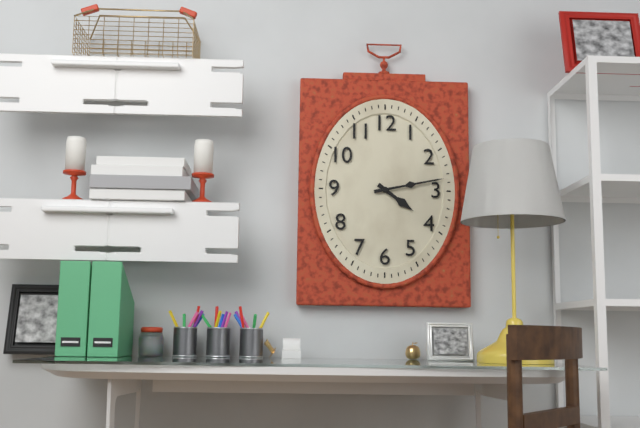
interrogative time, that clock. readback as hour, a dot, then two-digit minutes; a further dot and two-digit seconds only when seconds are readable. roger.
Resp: 4.13
